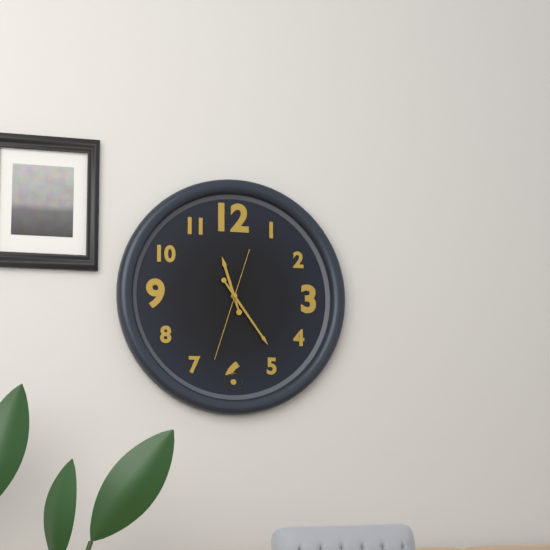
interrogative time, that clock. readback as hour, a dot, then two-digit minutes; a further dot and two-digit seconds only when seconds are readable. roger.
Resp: 11.24.33
